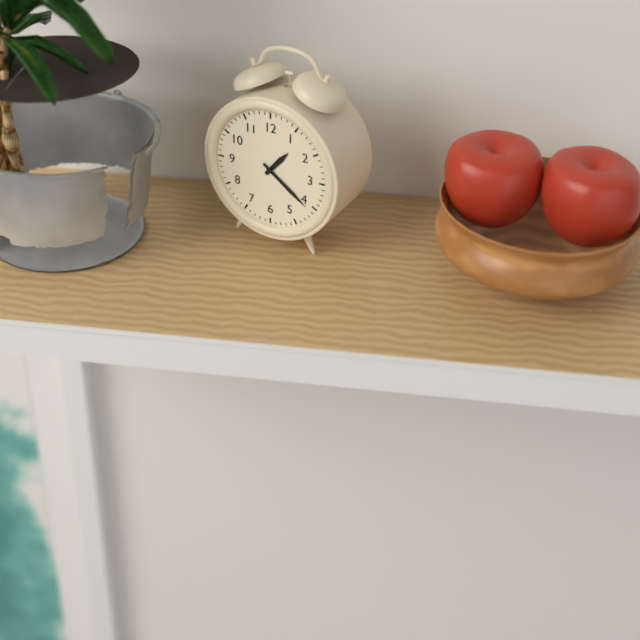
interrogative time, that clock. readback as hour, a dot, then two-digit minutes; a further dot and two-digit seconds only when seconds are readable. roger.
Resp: 1.21
